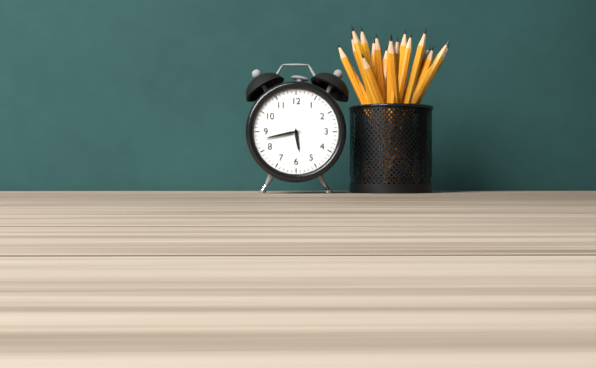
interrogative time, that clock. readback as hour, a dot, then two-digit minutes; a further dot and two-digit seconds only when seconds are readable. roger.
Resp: 5.43
